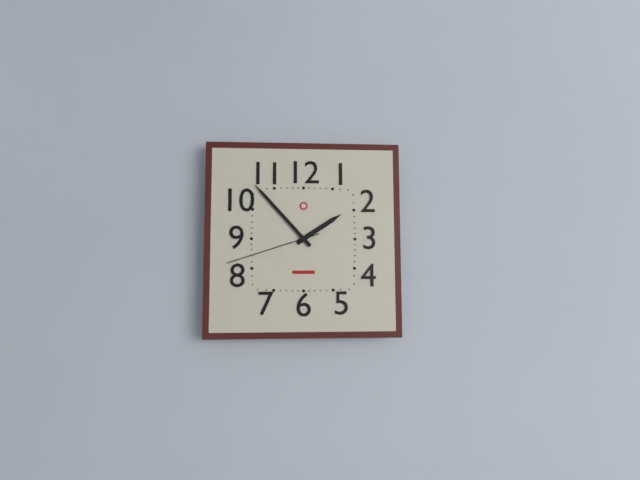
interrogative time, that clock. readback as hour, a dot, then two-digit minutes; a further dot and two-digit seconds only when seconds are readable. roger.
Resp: 1.53.42
